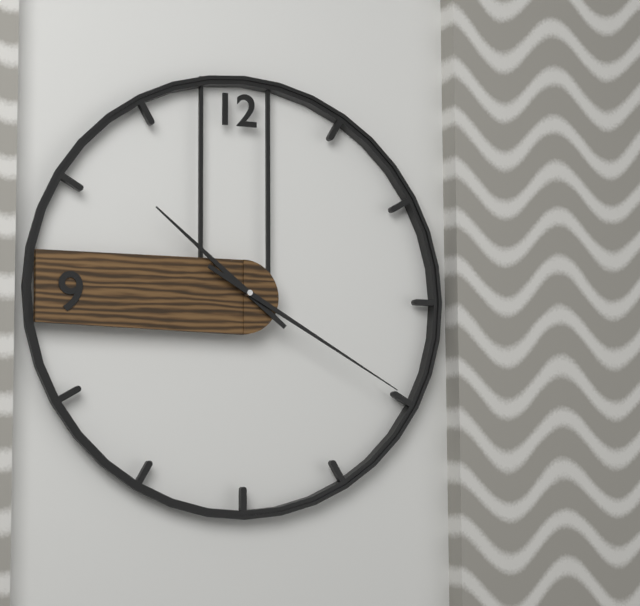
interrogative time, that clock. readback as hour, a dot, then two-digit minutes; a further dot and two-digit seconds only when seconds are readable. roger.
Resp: 10.20
